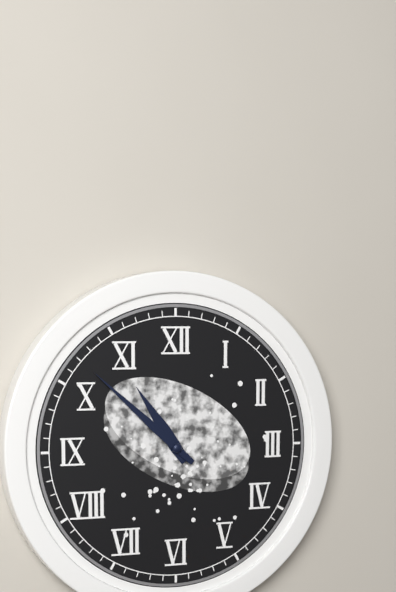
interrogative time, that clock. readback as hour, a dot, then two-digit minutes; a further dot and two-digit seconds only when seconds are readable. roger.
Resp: 10.52
